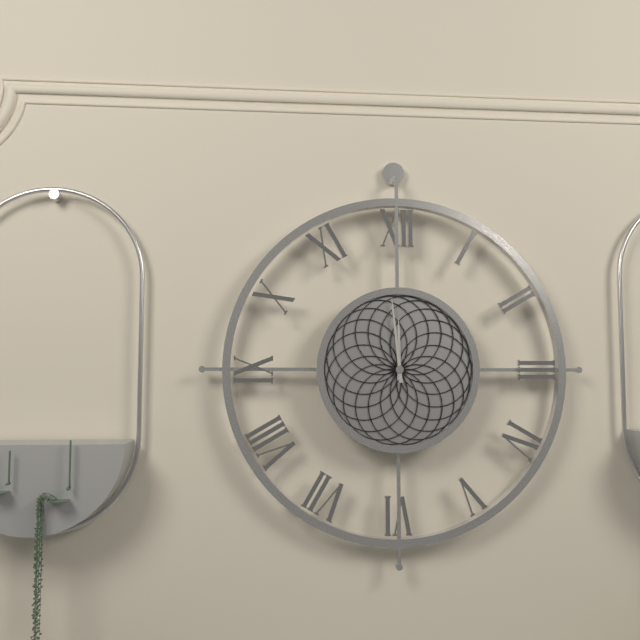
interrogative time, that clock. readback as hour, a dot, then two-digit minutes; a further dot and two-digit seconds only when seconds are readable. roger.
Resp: 11.59
